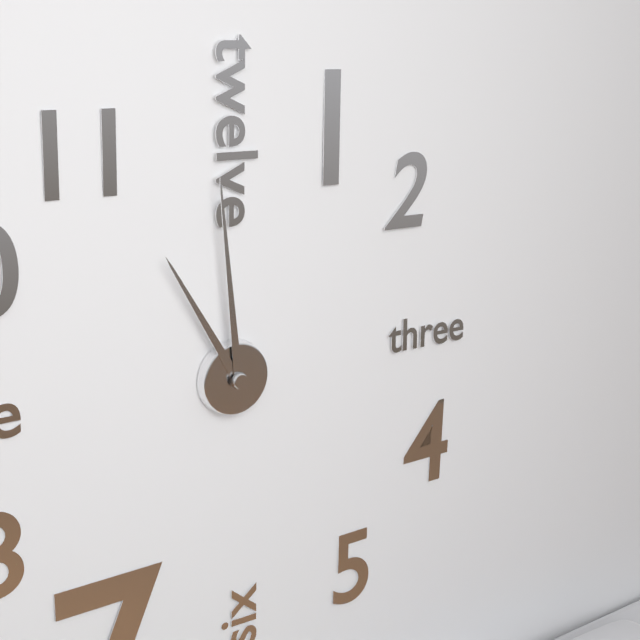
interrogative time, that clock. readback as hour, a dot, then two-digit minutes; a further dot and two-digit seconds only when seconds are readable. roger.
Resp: 10.59
